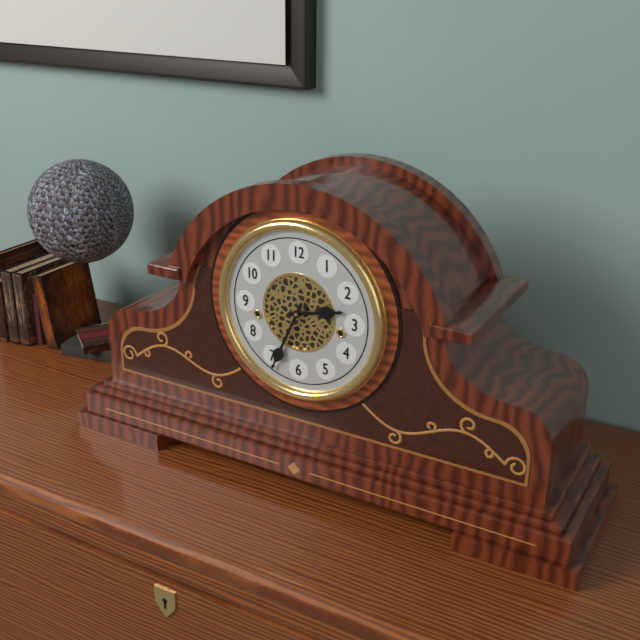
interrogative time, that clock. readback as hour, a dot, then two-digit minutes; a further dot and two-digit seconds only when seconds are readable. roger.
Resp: 2.34
